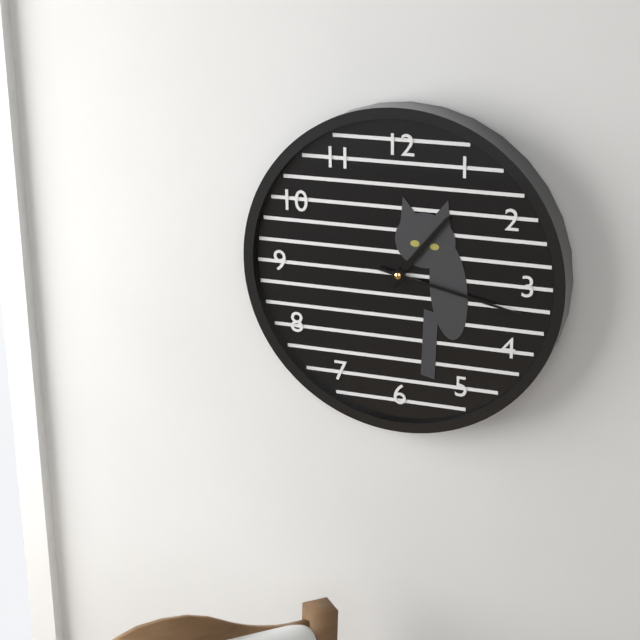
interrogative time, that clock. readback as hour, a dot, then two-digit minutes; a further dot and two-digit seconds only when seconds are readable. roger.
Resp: 1.17
